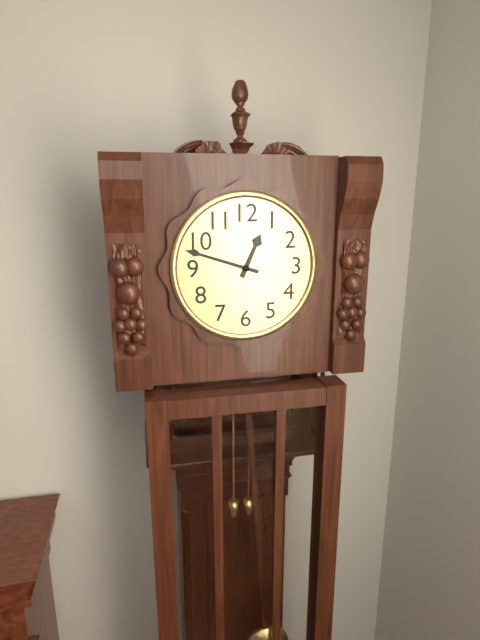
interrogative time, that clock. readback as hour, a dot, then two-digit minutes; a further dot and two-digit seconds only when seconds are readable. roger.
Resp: 12.48
